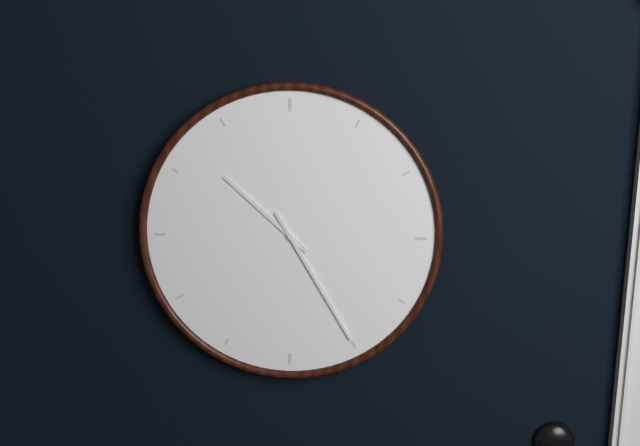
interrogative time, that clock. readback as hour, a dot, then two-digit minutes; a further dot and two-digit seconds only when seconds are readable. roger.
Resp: 10.25
